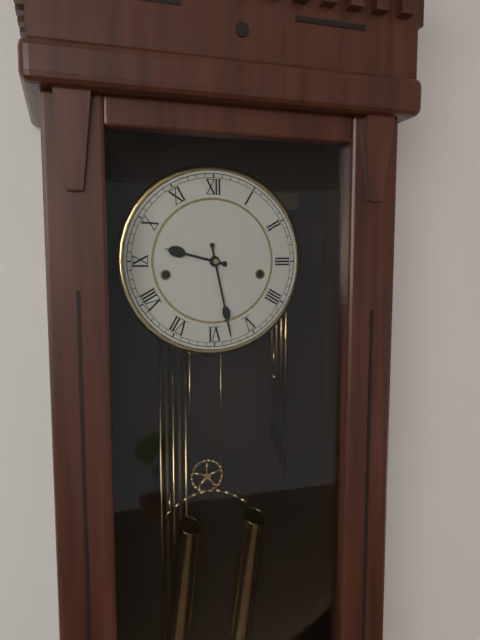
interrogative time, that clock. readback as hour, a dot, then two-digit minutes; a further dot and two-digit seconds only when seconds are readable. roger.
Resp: 9.28
